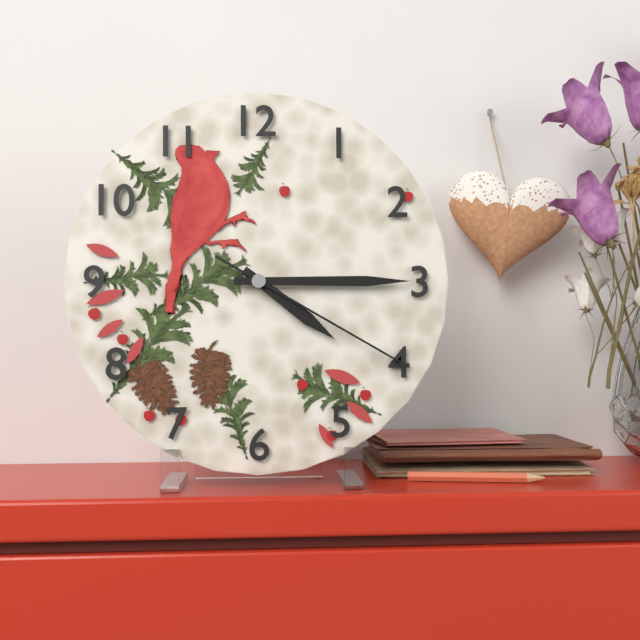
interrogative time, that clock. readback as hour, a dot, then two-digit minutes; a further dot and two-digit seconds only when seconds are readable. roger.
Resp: 4.15.20
